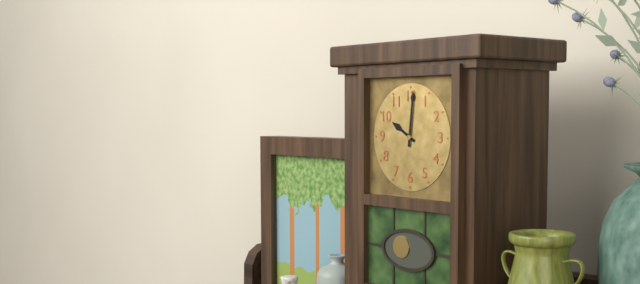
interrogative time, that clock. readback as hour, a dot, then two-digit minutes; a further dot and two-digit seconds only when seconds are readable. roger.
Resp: 10.01
